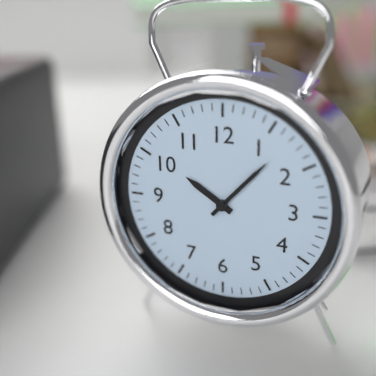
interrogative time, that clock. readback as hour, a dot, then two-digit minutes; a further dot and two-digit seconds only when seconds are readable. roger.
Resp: 10.07
